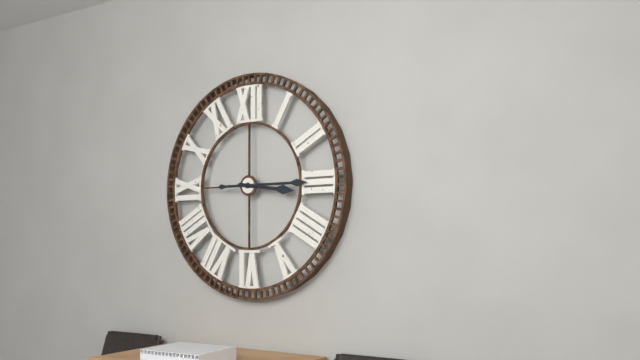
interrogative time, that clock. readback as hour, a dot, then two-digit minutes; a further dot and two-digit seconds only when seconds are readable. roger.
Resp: 3.15
